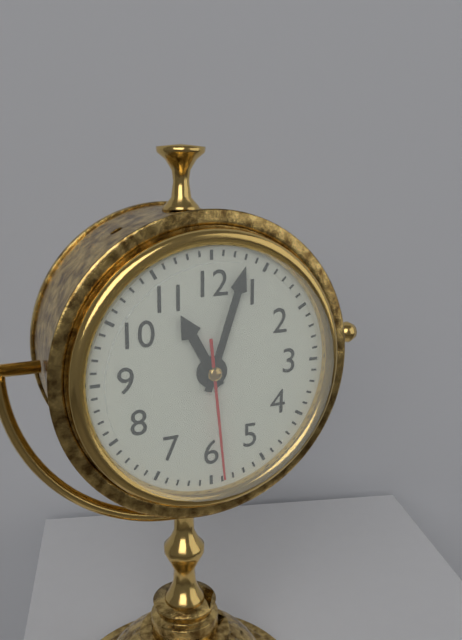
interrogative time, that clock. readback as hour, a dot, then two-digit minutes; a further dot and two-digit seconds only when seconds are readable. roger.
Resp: 11.03.29
